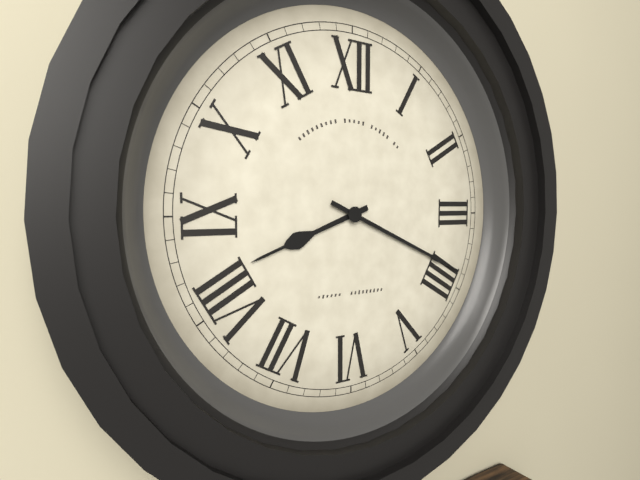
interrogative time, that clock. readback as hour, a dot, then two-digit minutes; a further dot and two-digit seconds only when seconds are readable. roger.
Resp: 8.19
